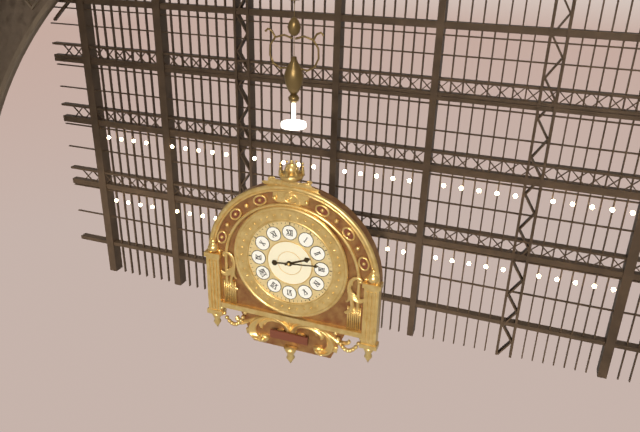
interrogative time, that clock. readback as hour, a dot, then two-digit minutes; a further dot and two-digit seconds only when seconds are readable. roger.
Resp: 2.14
